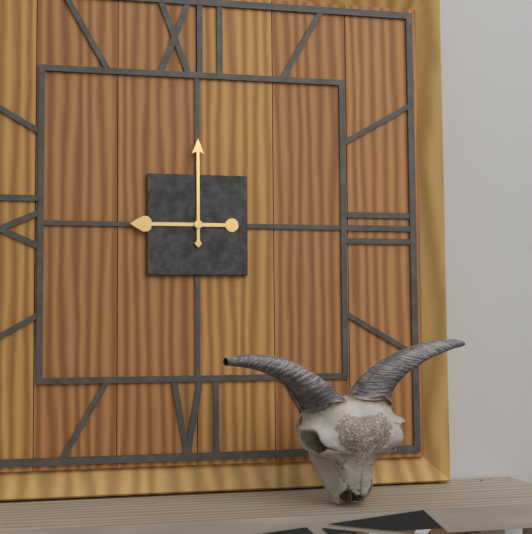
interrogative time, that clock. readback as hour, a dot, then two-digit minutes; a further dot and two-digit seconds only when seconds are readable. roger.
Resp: 9.00
